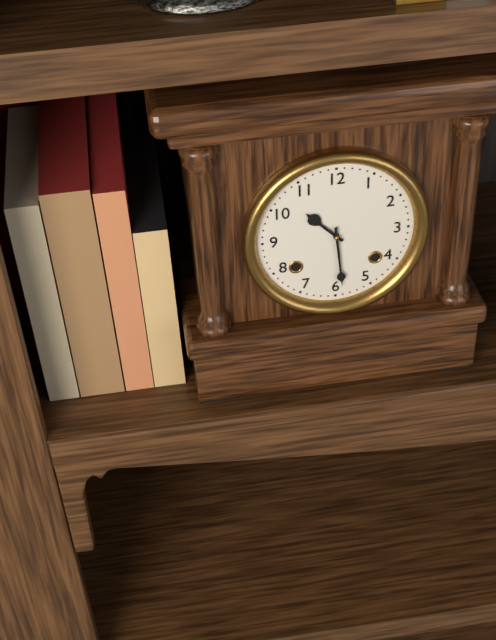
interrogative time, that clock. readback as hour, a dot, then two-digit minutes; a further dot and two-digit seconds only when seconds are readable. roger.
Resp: 10.29
